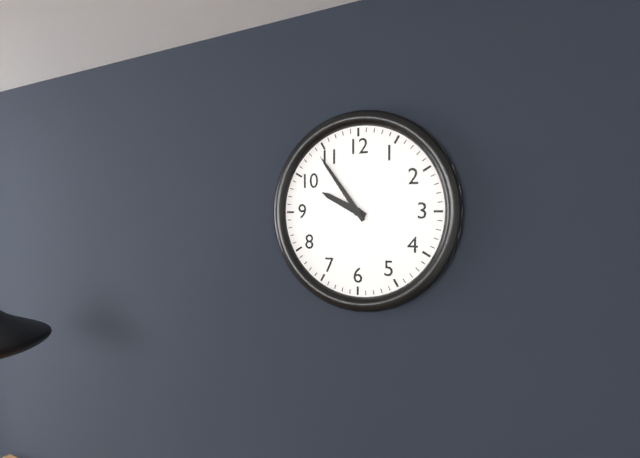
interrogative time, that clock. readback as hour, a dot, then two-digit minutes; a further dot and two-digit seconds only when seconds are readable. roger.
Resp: 9.54
